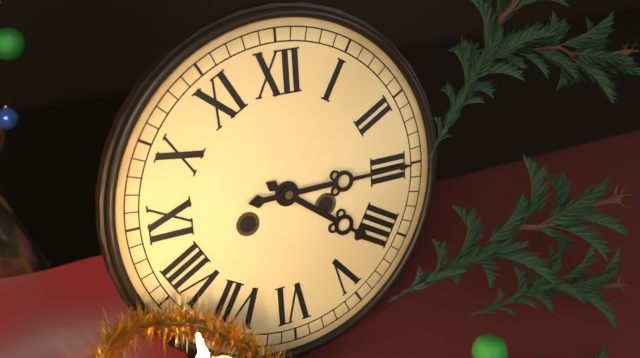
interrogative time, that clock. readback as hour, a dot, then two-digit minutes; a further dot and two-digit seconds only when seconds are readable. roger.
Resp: 4.15
